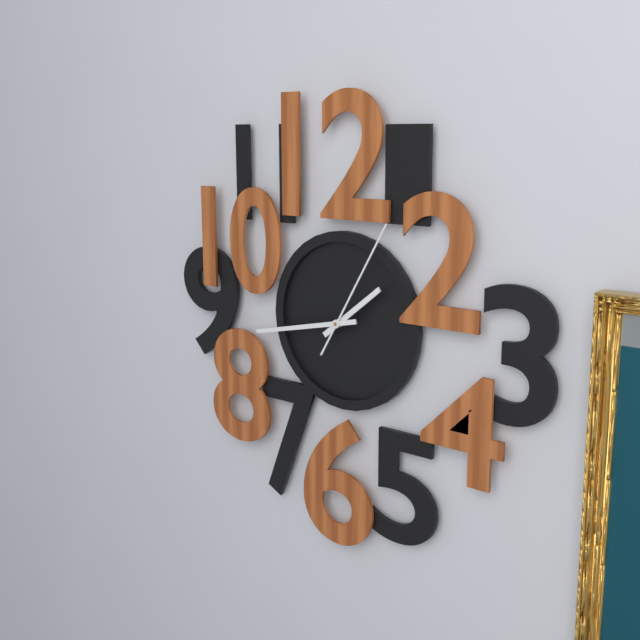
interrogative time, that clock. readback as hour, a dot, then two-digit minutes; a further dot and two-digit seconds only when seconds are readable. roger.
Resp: 1.43.05
